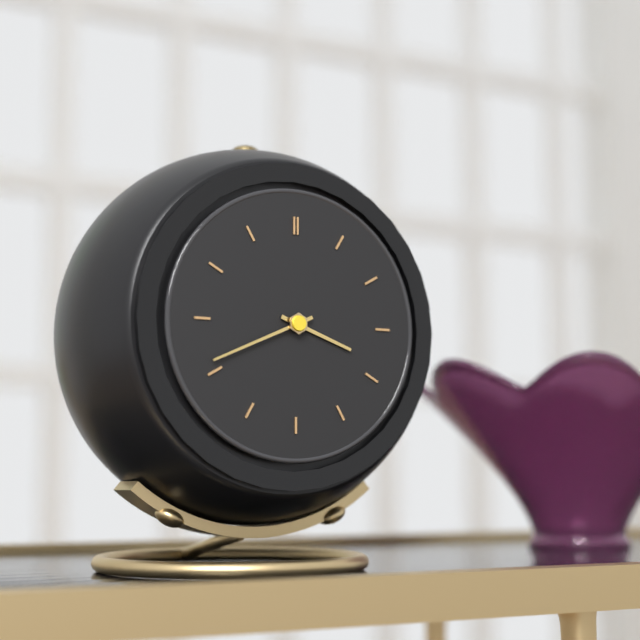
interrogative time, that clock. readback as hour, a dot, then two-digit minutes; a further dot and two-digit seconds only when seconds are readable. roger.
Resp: 3.41
